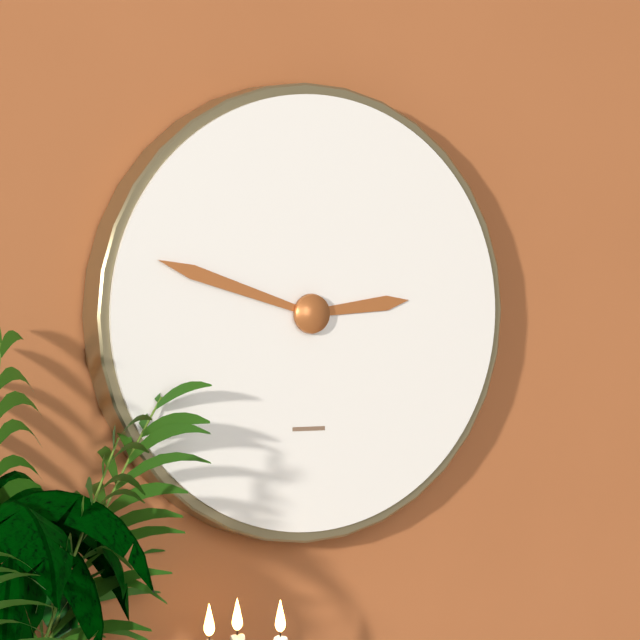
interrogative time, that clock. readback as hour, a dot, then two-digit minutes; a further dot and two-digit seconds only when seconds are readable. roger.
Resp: 2.48
